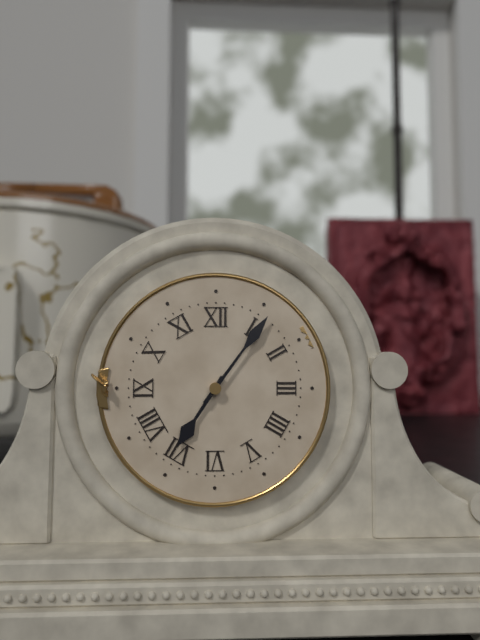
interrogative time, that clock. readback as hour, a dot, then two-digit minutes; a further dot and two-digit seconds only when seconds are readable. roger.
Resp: 7.06
